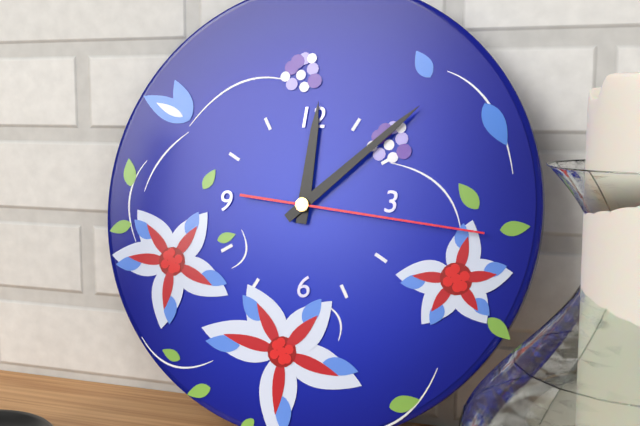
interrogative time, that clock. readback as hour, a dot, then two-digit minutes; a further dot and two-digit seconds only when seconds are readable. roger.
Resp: 12.08.16
